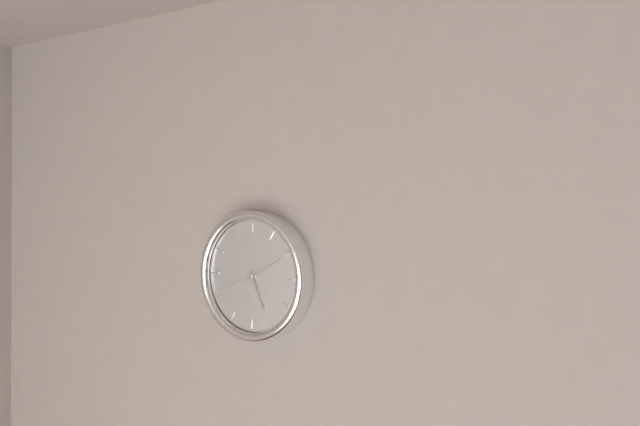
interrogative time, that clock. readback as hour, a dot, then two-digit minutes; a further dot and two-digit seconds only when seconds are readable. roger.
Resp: 5.10.41
